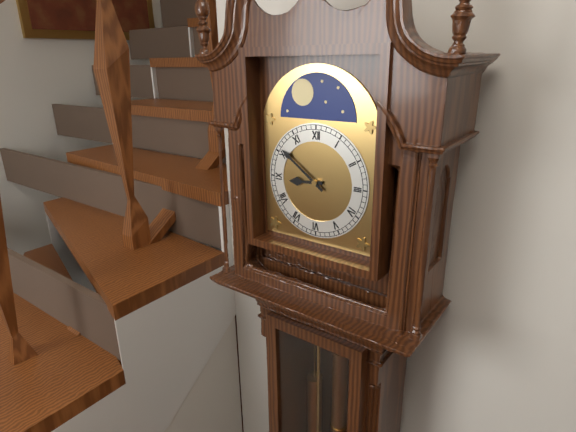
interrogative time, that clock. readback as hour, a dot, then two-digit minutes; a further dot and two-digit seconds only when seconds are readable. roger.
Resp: 8.51
